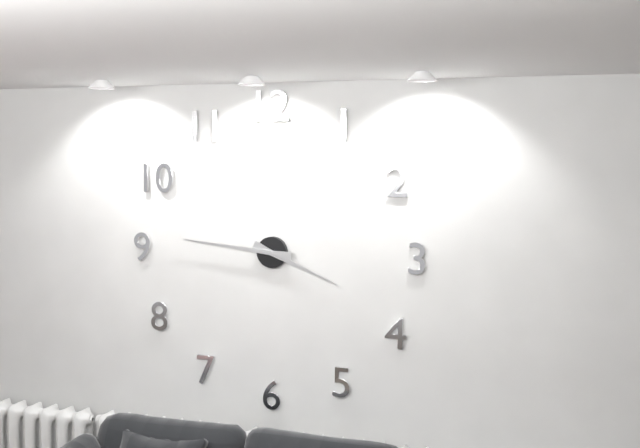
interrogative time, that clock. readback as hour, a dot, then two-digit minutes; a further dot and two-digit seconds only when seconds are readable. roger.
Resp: 3.46
